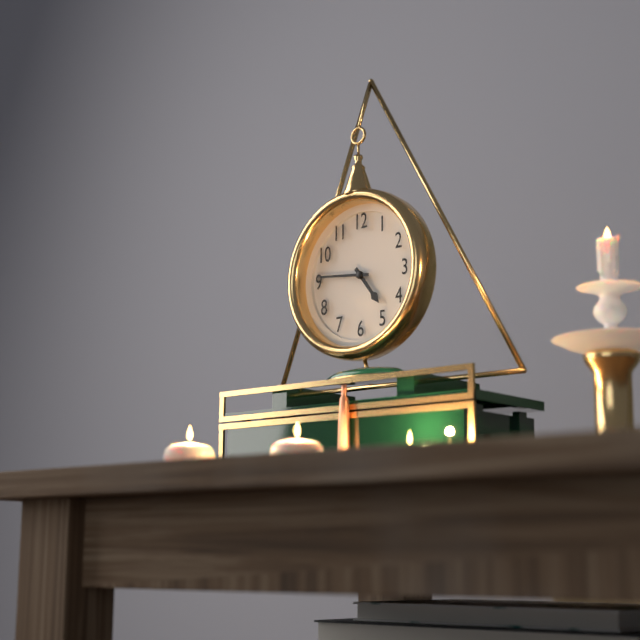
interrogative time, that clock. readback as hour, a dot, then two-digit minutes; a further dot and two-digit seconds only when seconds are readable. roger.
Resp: 4.46
